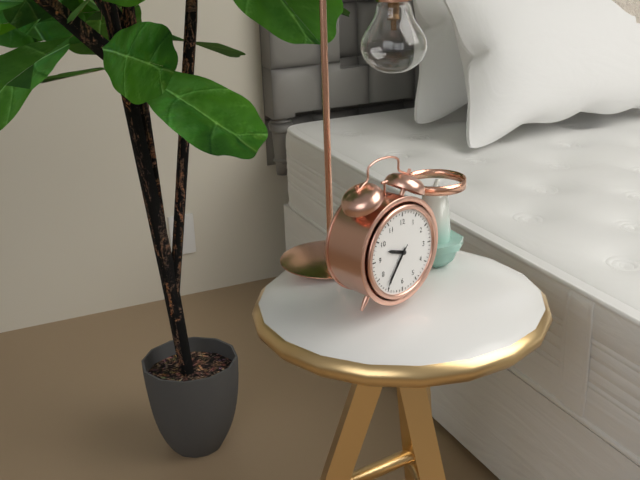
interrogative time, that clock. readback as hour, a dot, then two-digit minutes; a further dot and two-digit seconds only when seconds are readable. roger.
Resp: 9.36
